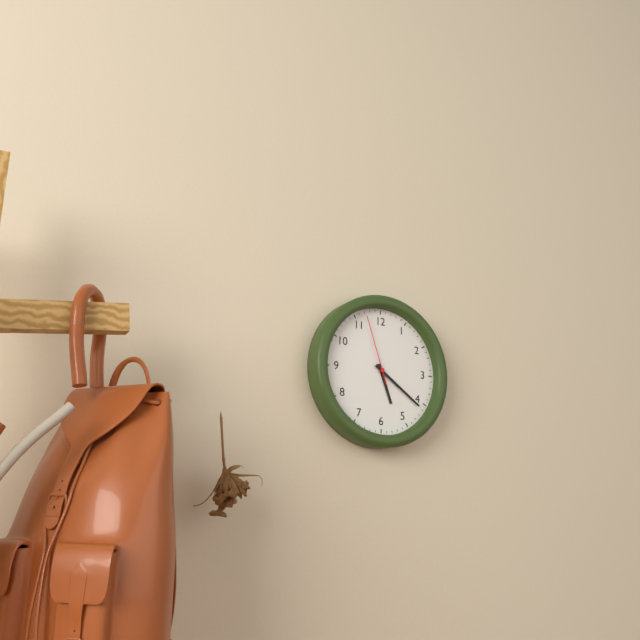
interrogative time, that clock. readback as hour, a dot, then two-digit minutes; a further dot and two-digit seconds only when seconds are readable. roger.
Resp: 5.21.57
